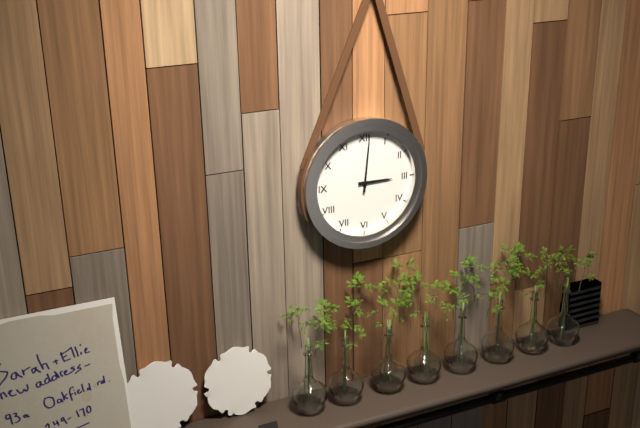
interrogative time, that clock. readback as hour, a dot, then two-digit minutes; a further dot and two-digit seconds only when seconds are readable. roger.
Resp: 3.01
